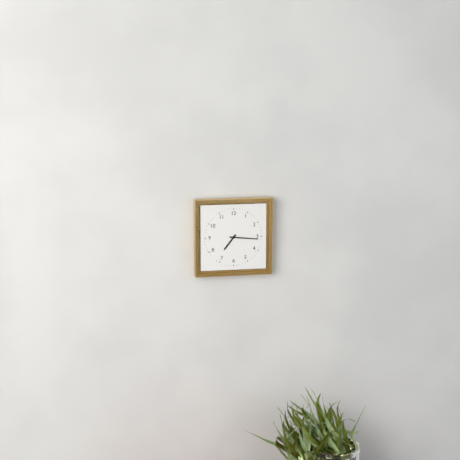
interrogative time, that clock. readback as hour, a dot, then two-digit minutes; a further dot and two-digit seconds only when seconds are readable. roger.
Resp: 7.16
